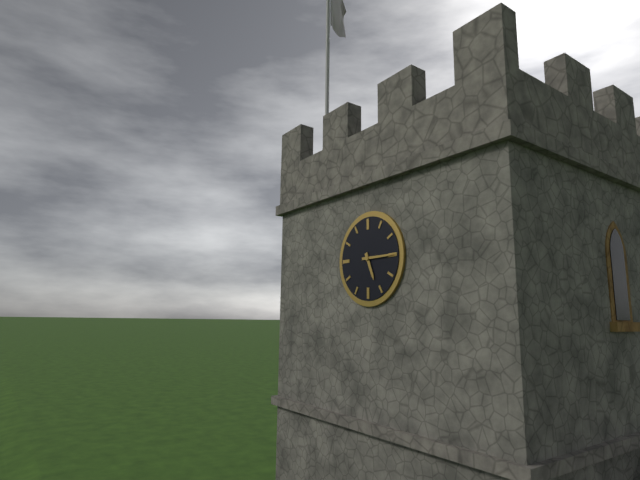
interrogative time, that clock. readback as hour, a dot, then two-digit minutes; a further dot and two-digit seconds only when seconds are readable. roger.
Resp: 5.15
